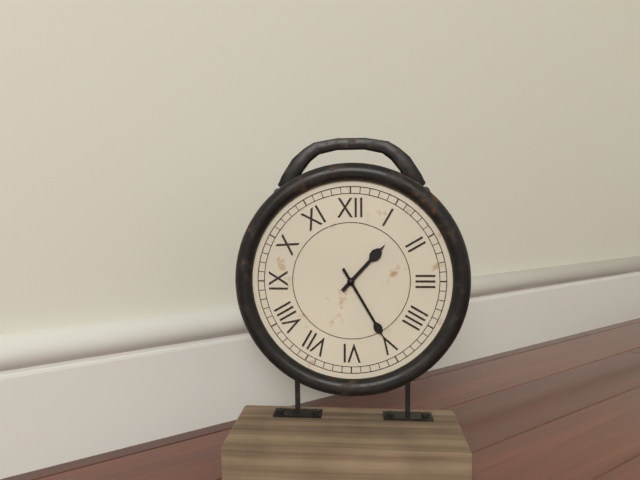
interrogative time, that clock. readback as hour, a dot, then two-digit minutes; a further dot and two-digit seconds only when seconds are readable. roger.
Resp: 1.25
